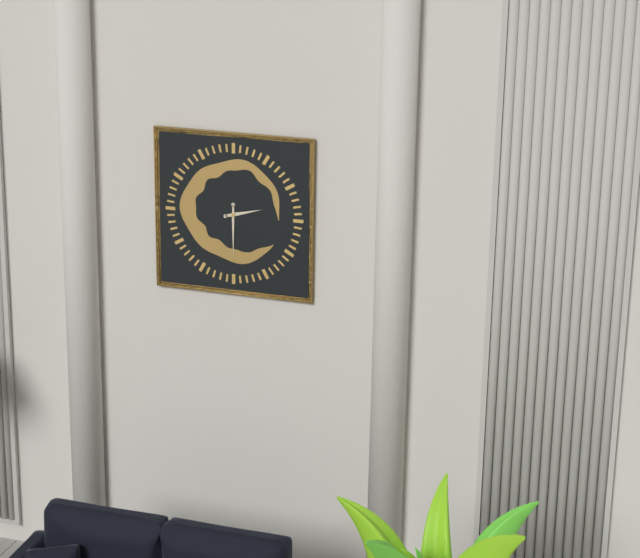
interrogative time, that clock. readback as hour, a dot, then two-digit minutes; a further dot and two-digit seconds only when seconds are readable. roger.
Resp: 2.30
